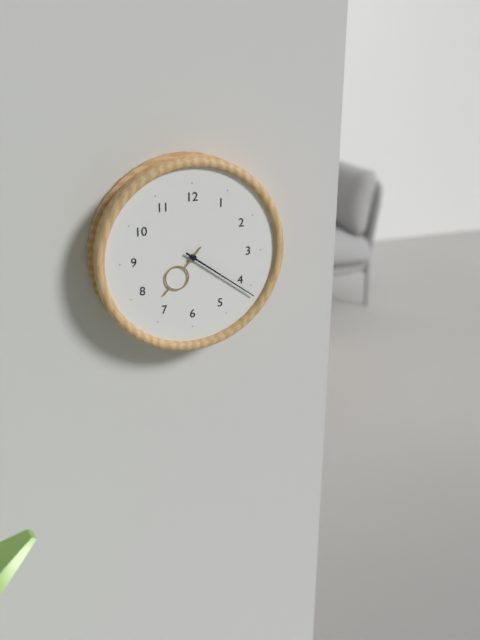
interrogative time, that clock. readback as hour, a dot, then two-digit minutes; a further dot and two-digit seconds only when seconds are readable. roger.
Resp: 7.21
